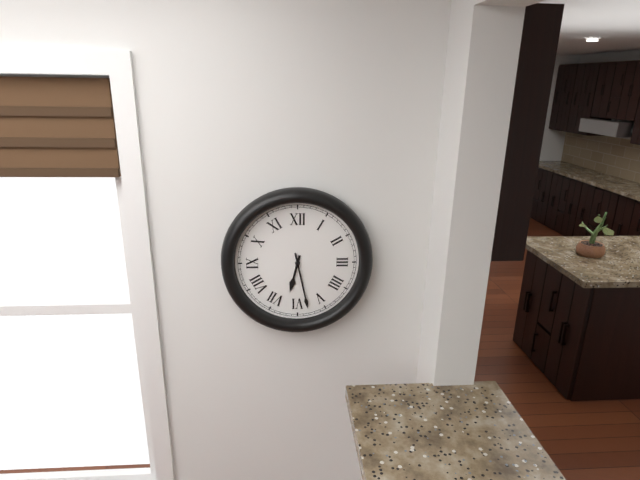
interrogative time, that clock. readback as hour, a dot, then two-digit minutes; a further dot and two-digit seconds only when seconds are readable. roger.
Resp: 6.28
